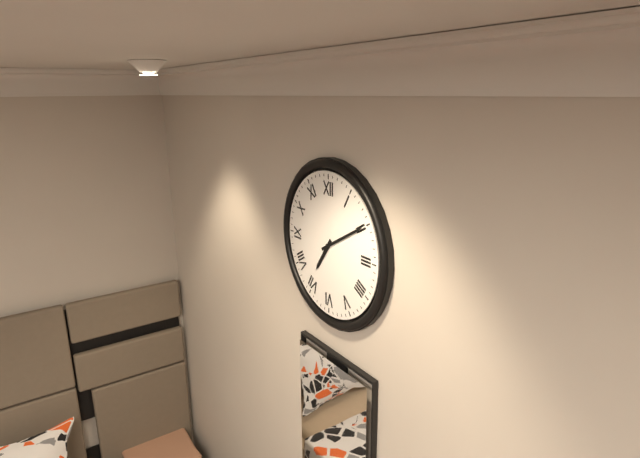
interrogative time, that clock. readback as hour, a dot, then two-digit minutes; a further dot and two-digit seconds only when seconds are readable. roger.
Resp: 7.10
